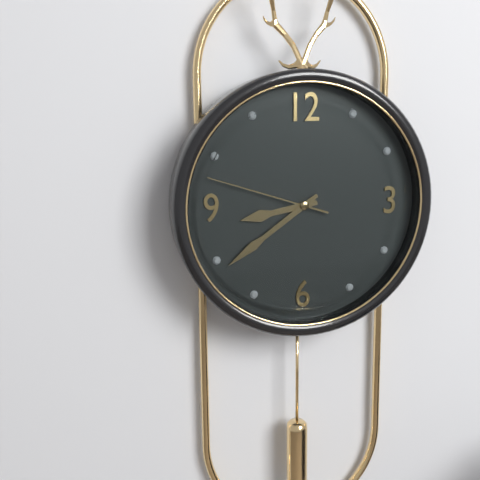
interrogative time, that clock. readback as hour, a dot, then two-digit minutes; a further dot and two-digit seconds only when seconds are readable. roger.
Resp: 8.39.48
